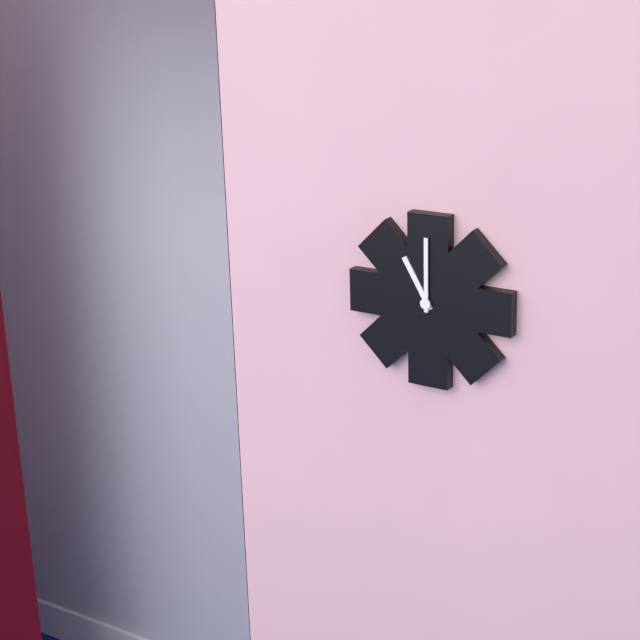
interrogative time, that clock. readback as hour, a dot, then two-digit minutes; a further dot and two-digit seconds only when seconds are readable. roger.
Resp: 11.00
